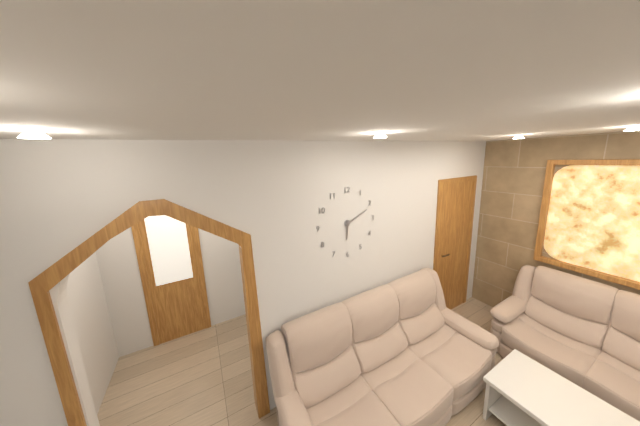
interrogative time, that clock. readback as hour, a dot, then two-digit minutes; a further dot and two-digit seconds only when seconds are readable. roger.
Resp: 6.11
